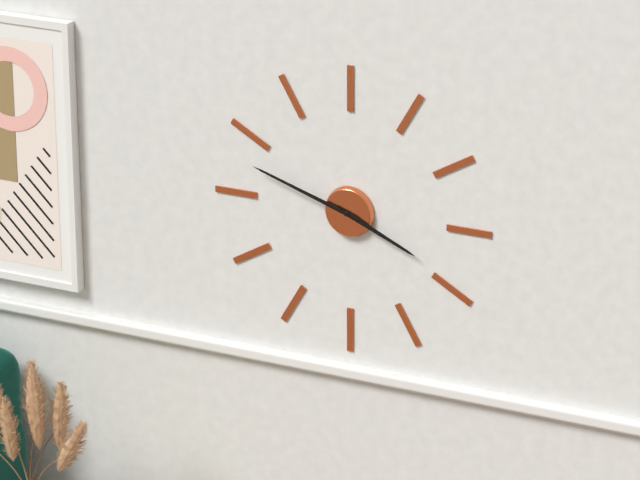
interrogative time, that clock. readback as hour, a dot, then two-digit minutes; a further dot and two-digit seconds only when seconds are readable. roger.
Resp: 3.48
